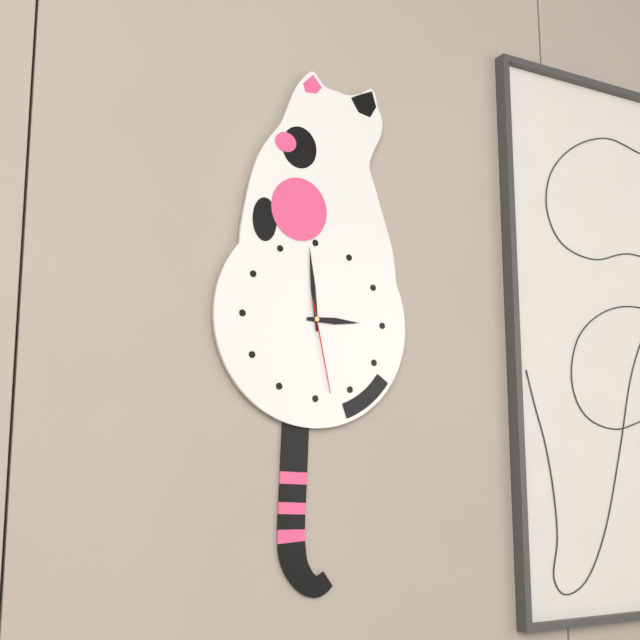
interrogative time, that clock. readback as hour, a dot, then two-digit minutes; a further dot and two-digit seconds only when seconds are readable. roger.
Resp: 2.59.28
